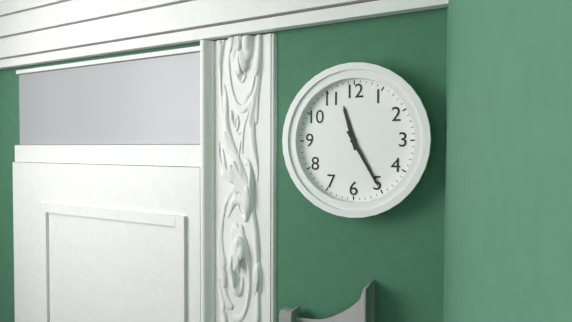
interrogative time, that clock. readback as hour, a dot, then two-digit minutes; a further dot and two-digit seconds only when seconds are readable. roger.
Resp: 11.25
